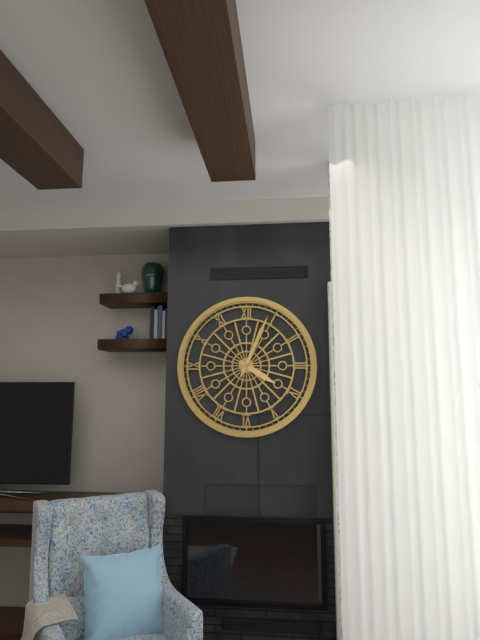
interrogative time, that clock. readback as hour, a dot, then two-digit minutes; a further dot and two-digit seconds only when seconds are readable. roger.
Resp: 4.04
